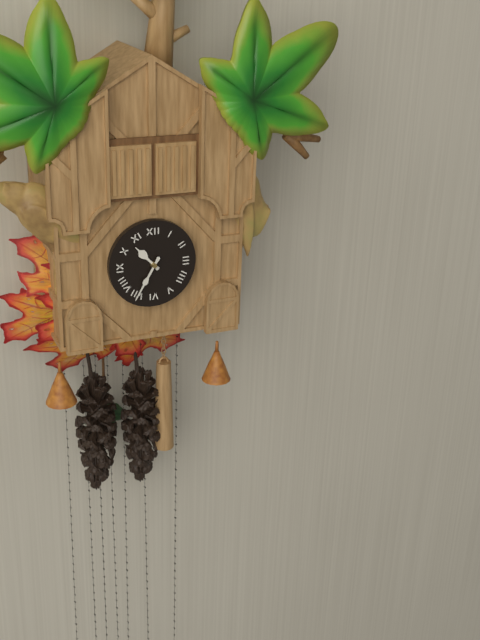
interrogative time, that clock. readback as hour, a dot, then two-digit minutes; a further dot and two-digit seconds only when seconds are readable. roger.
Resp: 10.35
